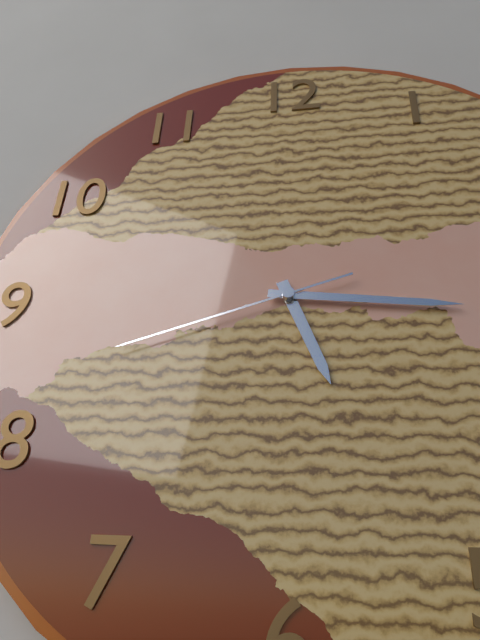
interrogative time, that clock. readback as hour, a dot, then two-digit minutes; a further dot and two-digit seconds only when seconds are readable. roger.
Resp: 5.16.42
